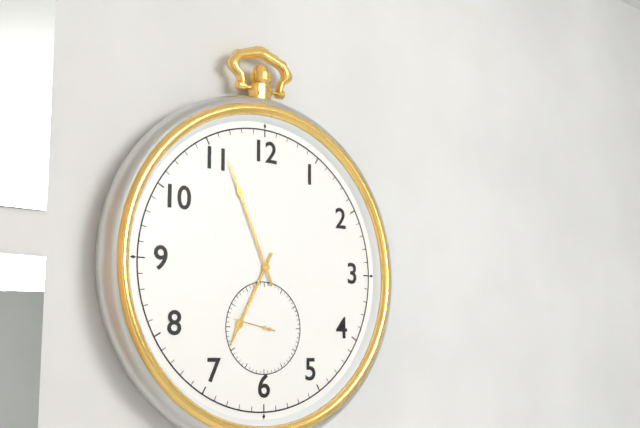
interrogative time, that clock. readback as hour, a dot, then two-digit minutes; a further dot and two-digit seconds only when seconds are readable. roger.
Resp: 6.56
